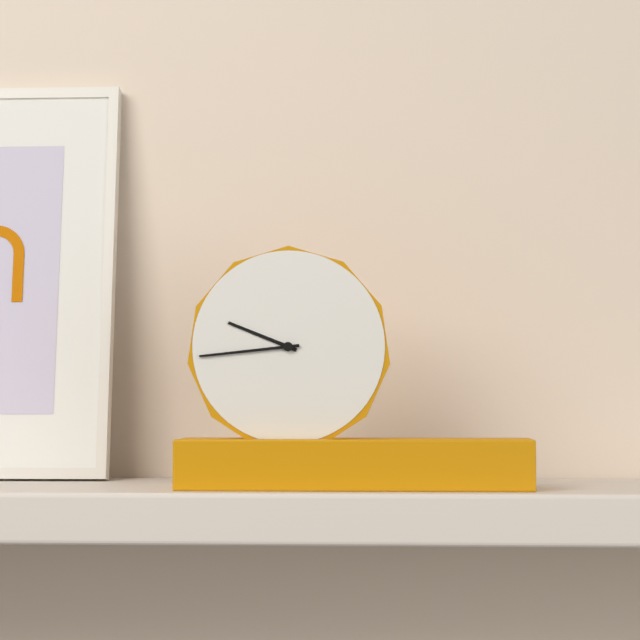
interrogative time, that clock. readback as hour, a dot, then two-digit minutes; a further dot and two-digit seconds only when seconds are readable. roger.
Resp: 9.44
